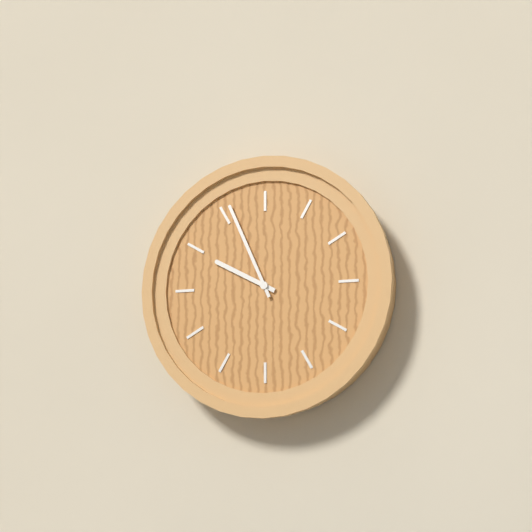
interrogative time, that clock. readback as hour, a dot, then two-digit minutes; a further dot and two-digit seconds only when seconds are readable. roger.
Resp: 9.56
